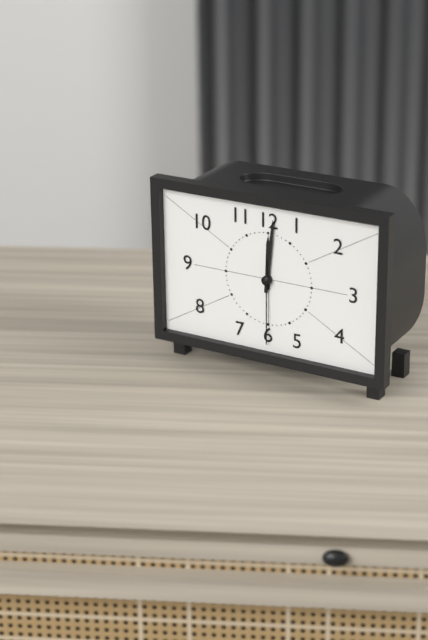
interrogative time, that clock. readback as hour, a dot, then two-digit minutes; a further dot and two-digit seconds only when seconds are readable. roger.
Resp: 12.01.30
